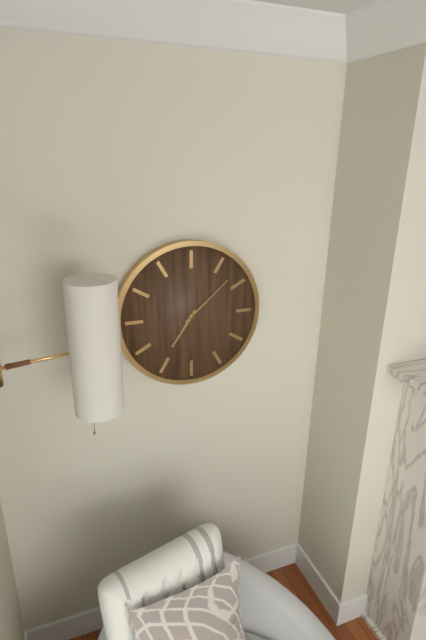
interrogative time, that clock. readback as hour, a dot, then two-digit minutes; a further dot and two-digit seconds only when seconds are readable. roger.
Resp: 7.08
